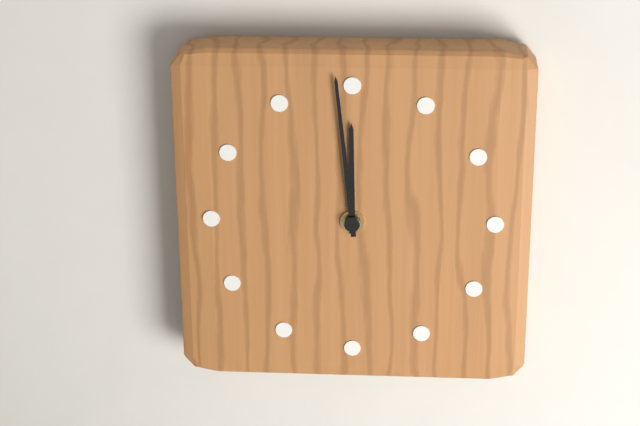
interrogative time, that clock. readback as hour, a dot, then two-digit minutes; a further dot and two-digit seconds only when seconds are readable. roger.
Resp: 11.59
